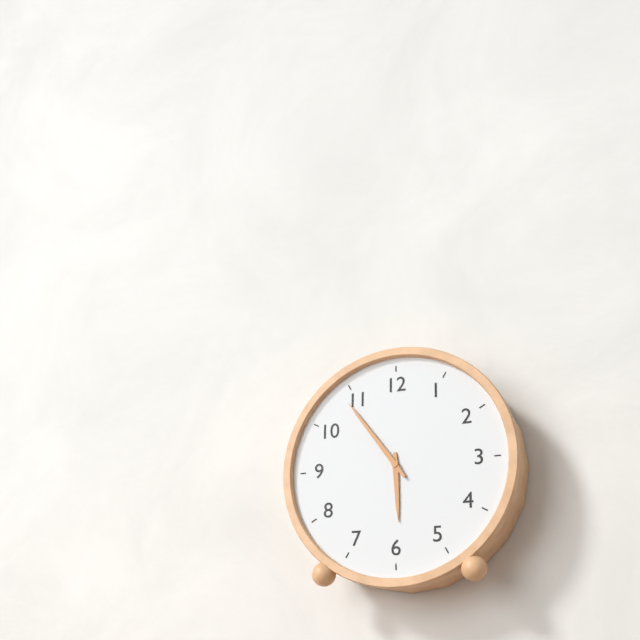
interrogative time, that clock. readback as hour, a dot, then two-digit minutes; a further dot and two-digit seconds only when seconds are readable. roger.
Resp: 5.54
